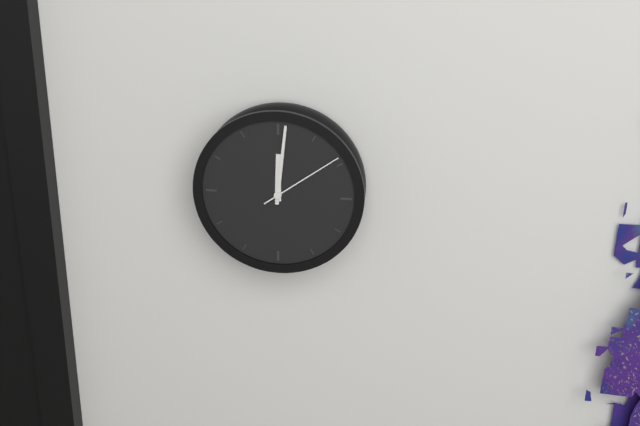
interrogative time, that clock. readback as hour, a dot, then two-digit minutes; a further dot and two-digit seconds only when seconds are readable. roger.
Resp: 12.01.09
